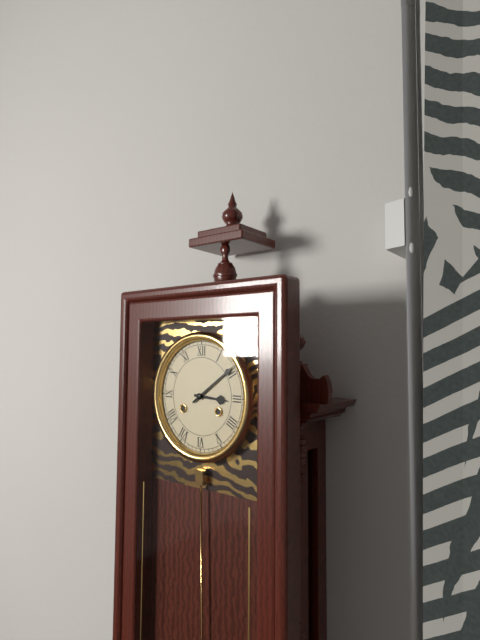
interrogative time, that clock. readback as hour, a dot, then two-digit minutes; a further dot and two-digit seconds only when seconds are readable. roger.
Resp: 3.09
